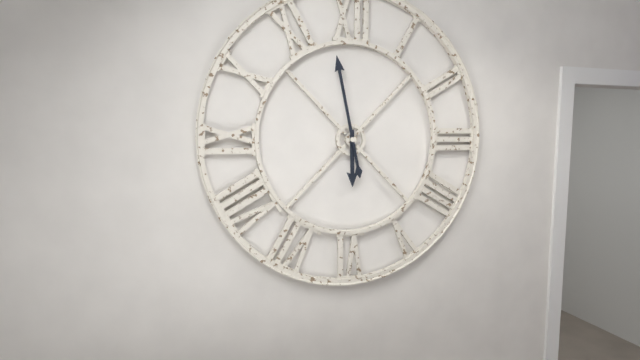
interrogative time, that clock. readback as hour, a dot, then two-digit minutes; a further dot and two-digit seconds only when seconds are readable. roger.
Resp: 5.58
